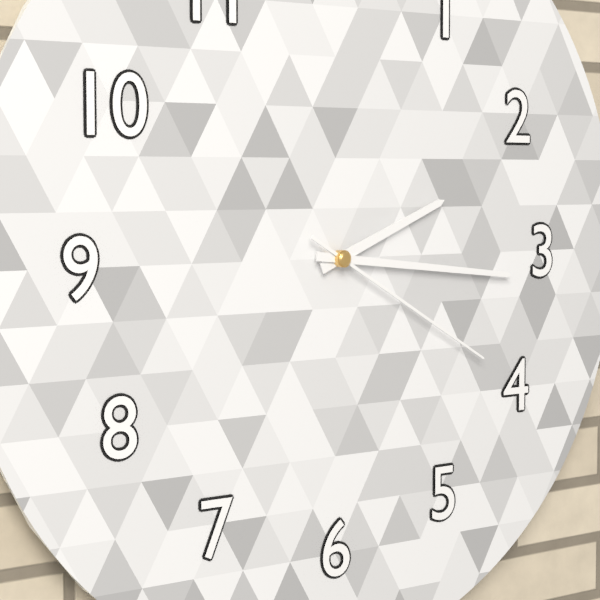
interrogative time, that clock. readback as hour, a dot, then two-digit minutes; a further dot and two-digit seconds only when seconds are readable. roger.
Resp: 2.16.20
